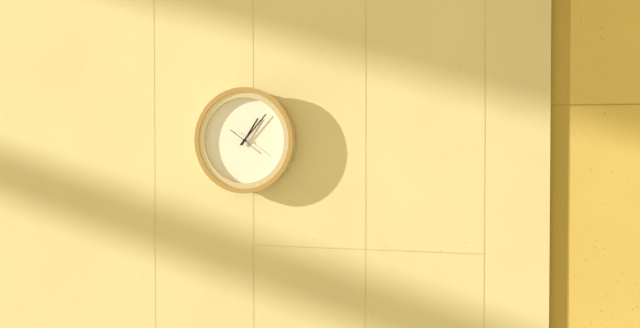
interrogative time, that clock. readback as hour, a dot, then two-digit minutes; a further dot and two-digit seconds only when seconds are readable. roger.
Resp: 1.07
